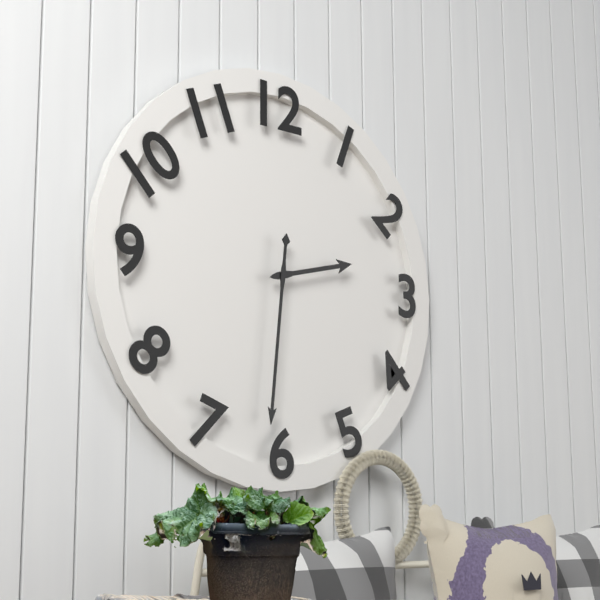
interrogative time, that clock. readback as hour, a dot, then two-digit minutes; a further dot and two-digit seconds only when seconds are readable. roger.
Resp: 2.31
